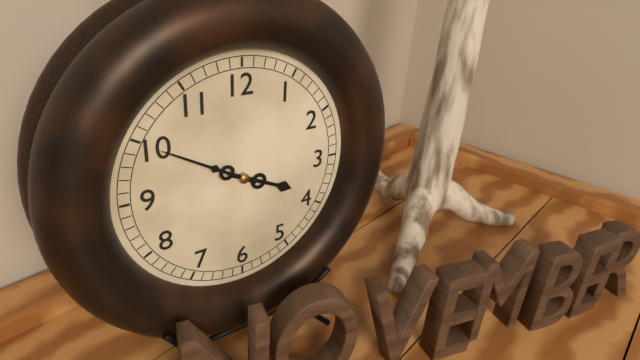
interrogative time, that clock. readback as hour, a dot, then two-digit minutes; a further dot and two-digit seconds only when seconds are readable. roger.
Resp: 3.50
